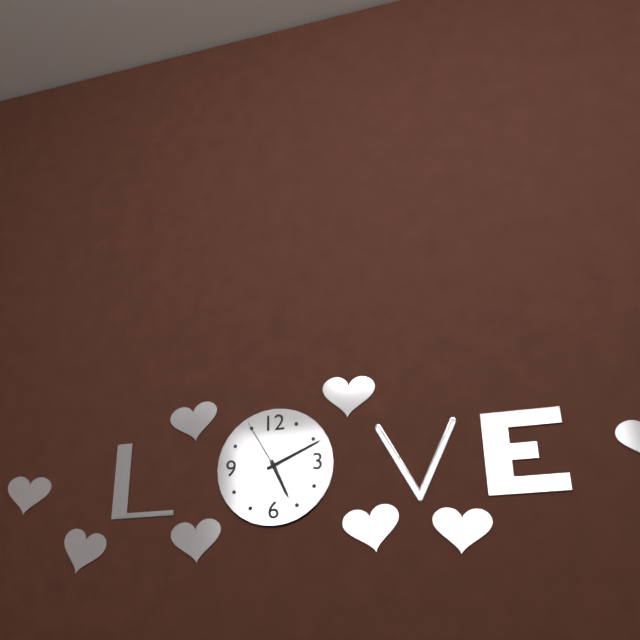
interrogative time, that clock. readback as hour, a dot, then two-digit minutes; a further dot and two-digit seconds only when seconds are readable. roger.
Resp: 5.11.55
